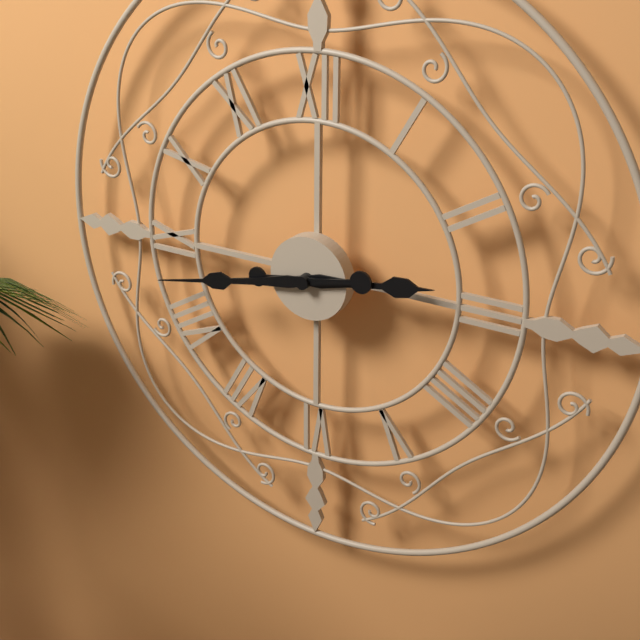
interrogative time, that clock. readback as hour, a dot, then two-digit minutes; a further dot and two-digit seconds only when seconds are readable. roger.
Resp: 2.43
